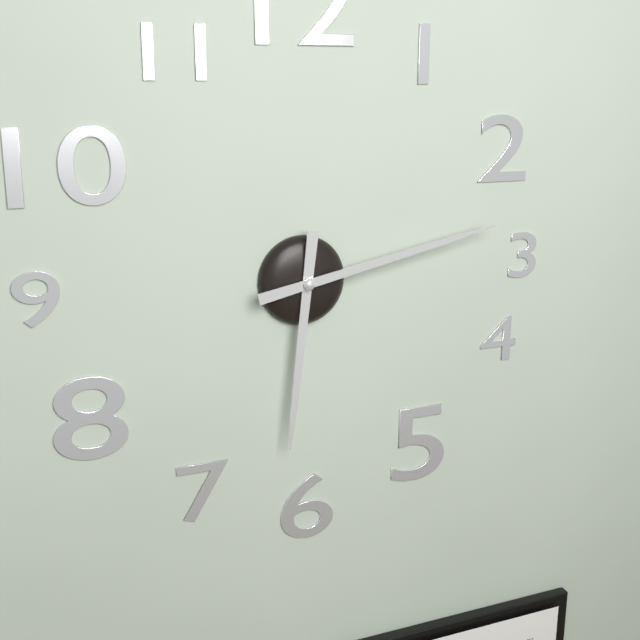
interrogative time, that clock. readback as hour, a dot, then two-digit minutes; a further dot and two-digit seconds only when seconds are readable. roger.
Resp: 6.13
